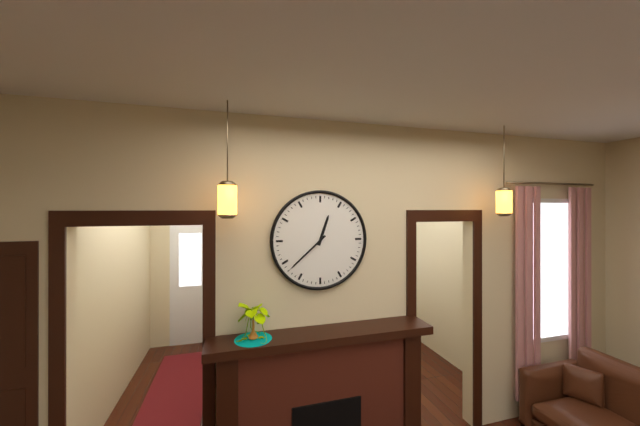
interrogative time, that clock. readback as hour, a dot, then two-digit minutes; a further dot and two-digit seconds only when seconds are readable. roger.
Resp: 12.38
